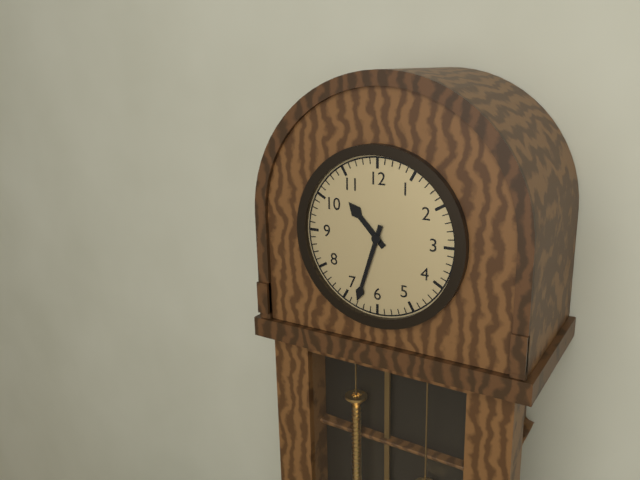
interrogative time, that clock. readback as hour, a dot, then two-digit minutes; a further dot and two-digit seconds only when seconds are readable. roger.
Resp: 10.33
